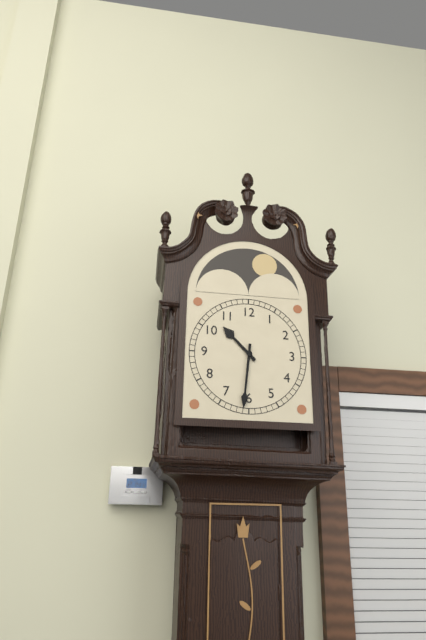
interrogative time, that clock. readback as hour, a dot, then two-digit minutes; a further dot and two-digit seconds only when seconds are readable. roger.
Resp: 10.31
